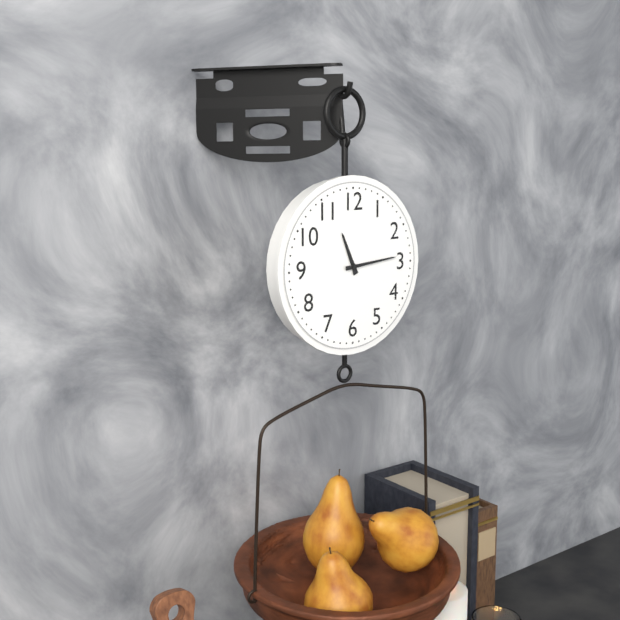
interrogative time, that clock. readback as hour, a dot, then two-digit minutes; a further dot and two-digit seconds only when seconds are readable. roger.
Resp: 11.14
